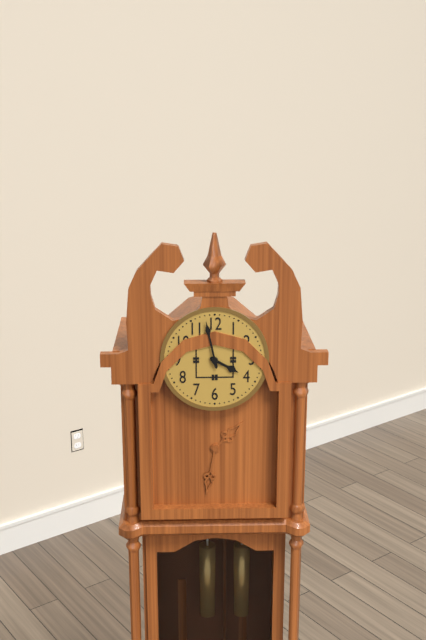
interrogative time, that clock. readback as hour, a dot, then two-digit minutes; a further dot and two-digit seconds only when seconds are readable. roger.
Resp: 3.58
